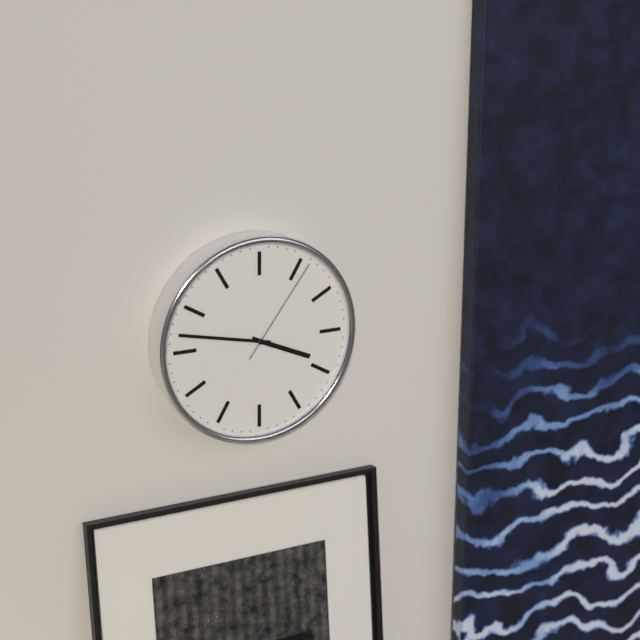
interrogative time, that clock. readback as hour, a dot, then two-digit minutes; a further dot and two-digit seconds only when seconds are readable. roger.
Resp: 3.47.06
